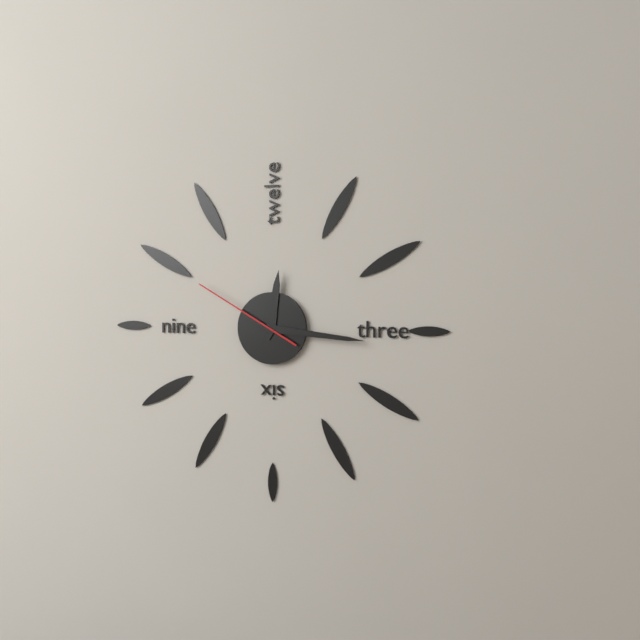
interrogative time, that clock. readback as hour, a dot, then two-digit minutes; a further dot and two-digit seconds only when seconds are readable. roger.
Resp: 12.16.50
